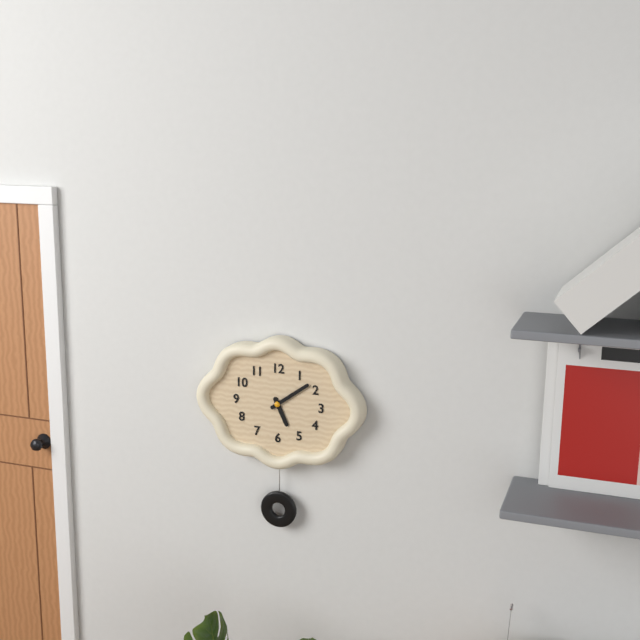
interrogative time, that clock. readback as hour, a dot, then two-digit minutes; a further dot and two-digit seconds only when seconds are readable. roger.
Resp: 5.09
